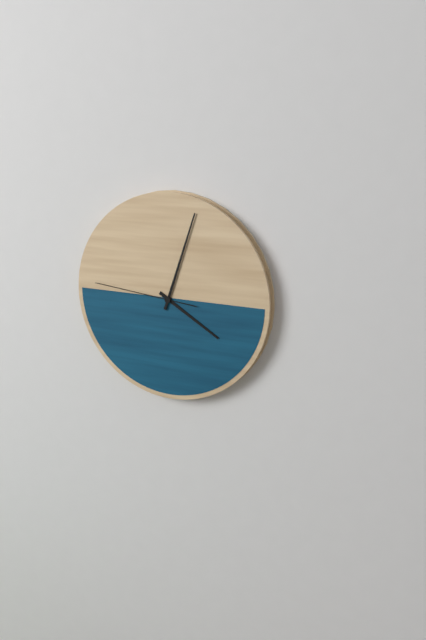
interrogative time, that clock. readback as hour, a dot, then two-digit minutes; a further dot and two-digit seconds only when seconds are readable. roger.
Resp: 4.03.46
